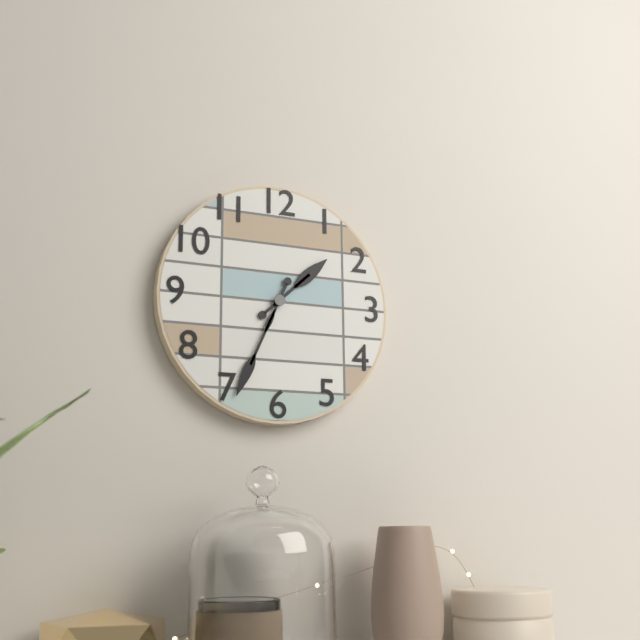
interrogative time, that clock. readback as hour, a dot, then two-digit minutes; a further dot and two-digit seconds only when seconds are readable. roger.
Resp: 1.34
